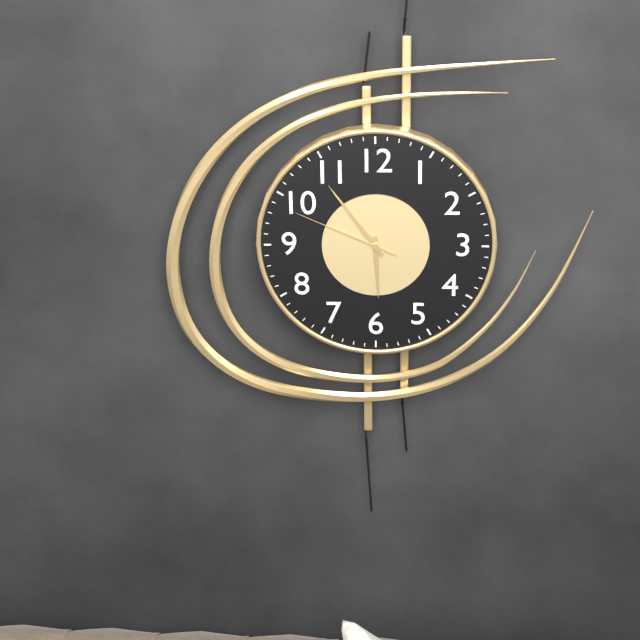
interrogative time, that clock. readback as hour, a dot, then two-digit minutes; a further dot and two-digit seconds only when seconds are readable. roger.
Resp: 5.54.49
